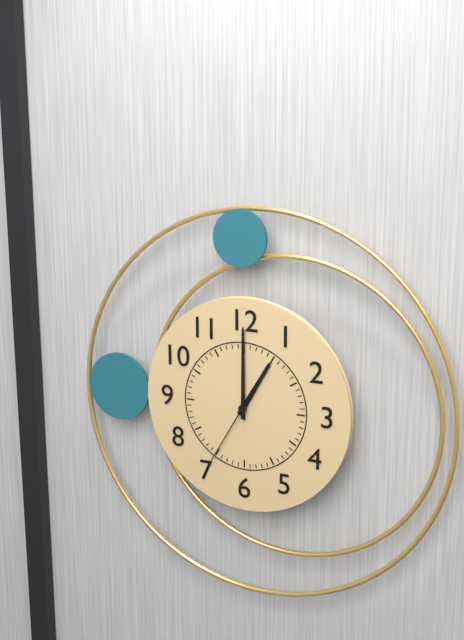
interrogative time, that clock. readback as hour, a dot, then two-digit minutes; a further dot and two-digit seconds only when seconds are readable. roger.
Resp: 1.00.35
